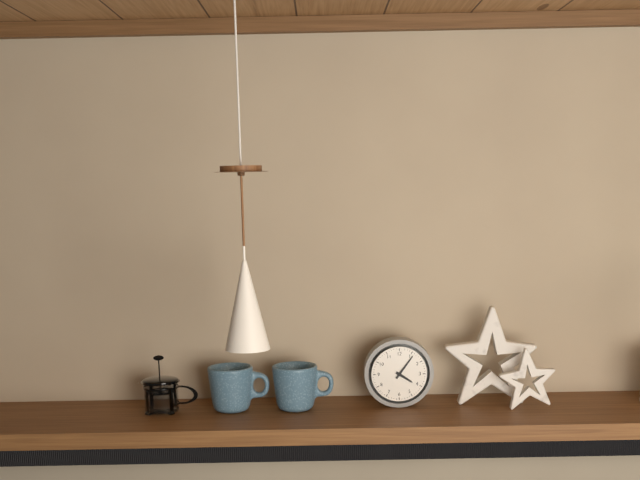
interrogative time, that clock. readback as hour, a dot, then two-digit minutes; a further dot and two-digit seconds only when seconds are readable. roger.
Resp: 4.06
